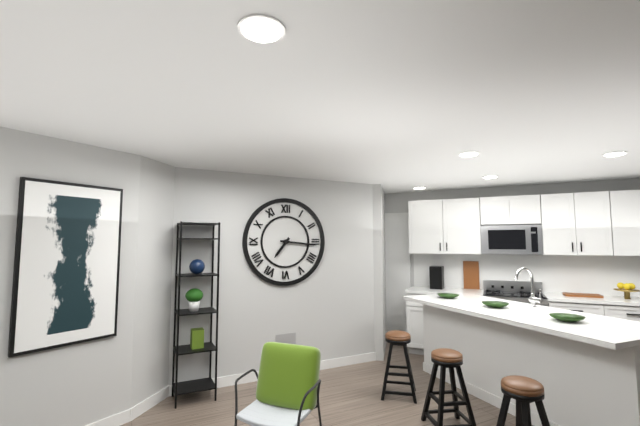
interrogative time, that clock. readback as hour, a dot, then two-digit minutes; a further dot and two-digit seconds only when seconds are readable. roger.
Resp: 7.16
